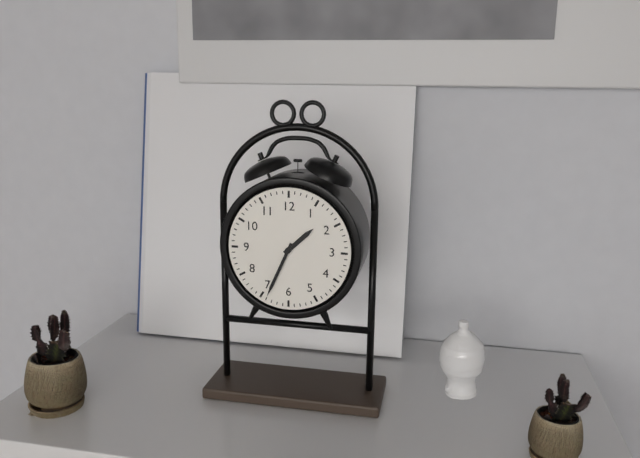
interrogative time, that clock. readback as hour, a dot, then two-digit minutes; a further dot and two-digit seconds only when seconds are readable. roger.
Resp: 1.34
